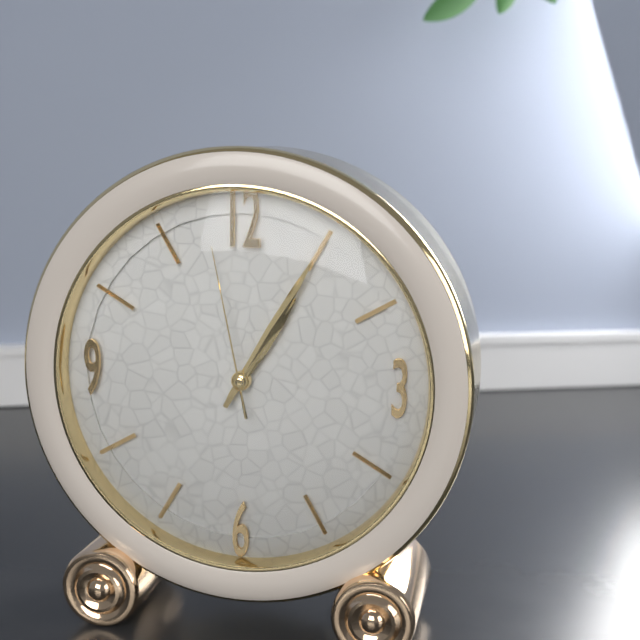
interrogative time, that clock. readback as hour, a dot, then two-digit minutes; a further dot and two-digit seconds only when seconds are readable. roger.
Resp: 1.05.58
